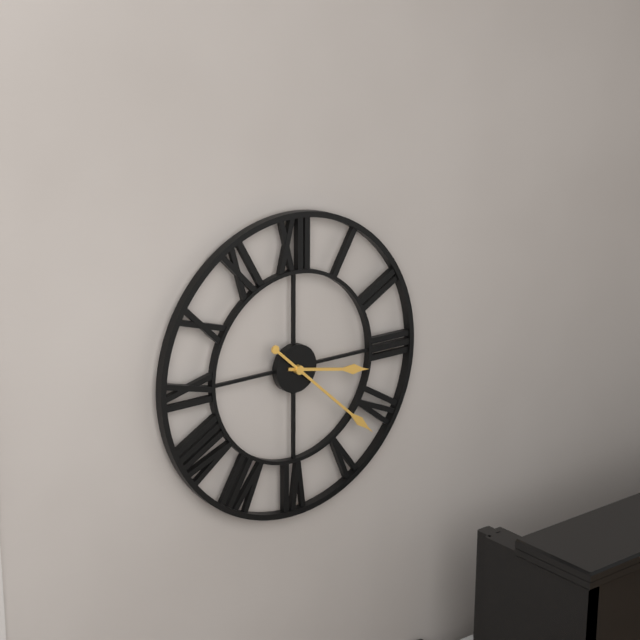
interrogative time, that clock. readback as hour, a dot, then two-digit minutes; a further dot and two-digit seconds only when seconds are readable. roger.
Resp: 3.22
